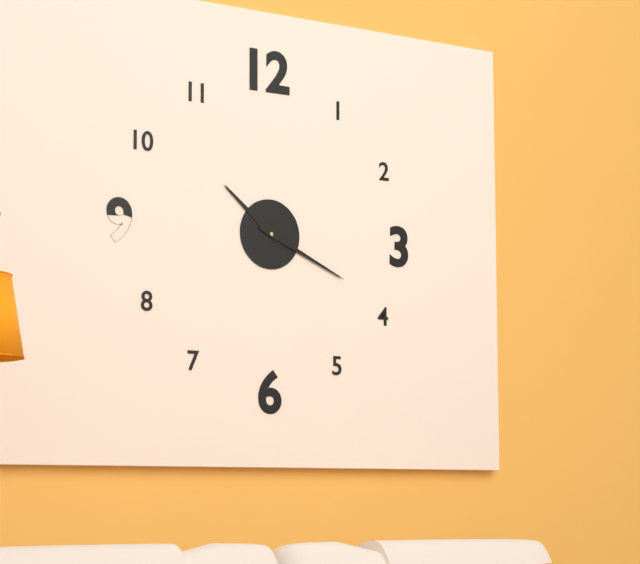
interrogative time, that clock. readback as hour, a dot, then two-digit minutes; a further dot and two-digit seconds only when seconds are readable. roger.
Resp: 10.19
